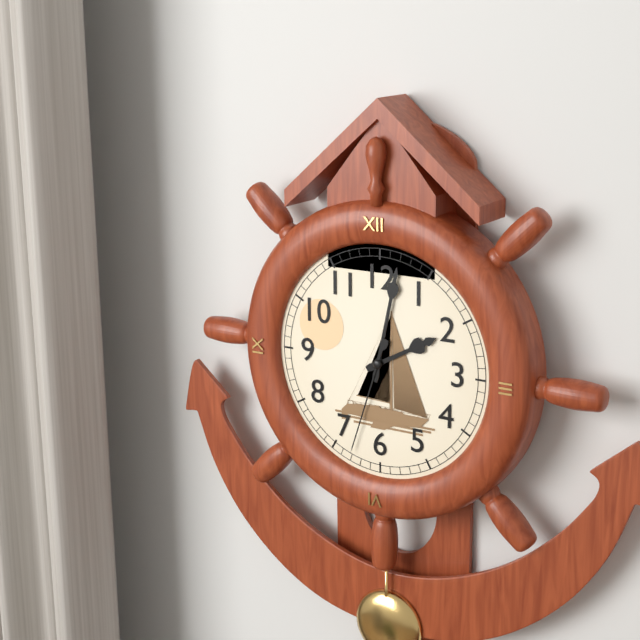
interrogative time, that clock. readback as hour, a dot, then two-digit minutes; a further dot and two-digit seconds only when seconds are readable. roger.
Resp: 2.02.33
